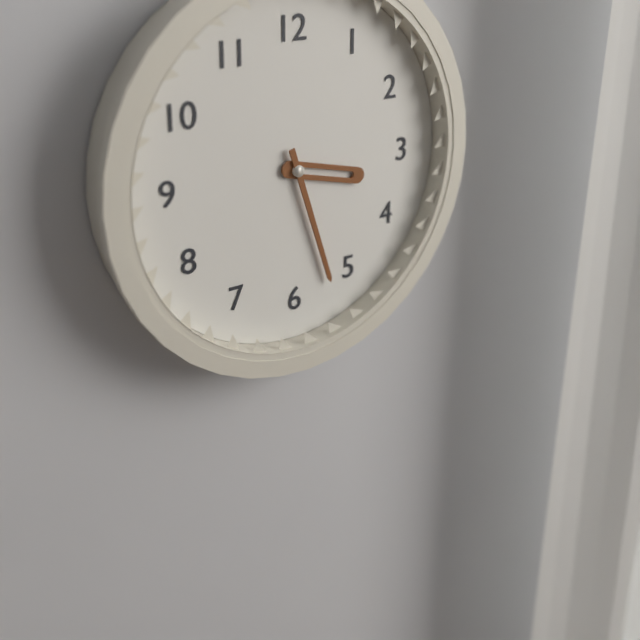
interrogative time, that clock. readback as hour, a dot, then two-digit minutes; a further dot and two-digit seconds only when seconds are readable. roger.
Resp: 3.27
